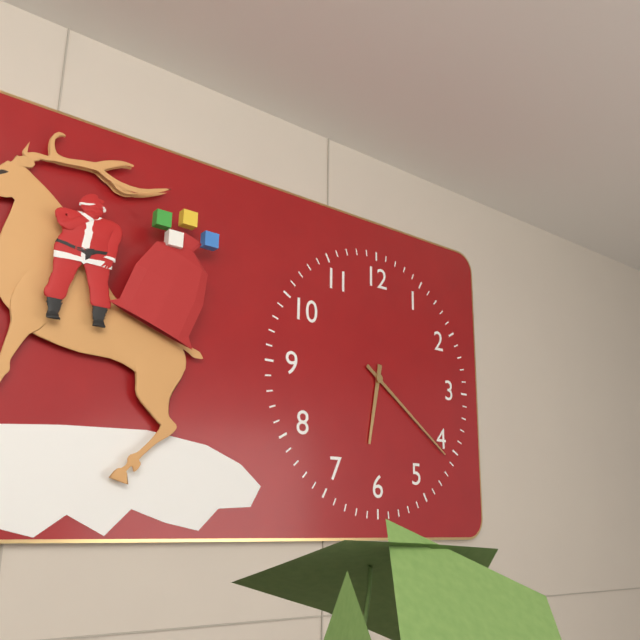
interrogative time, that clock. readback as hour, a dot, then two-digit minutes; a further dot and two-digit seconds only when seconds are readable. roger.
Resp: 6.21
